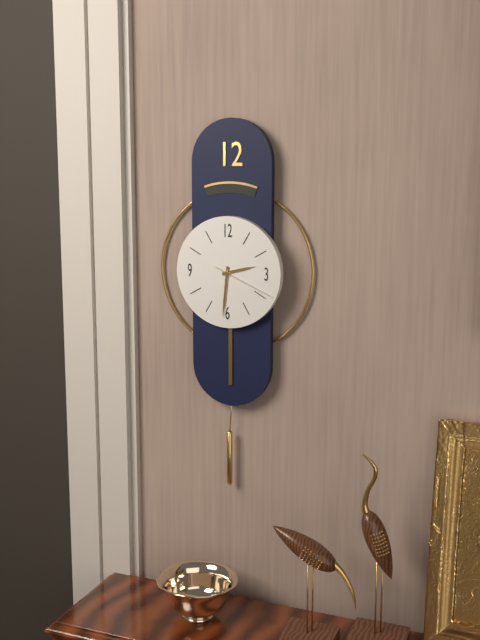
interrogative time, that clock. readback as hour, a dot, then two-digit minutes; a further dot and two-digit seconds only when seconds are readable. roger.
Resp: 2.31.19
